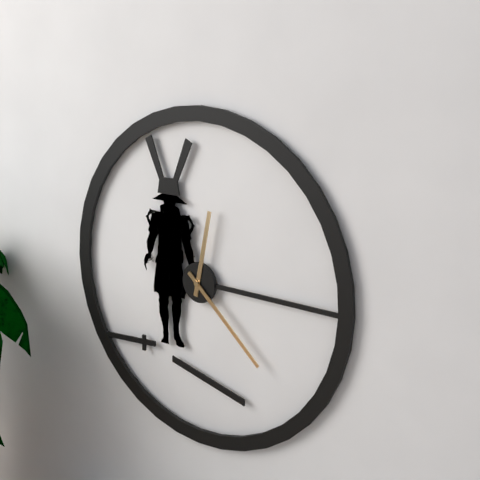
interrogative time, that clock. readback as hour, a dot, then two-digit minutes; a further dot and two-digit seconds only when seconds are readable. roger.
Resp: 12.22
